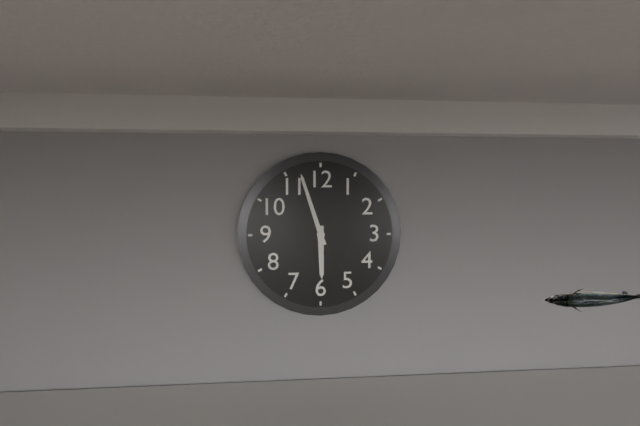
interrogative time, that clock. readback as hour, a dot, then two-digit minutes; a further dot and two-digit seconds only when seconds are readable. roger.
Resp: 5.57
